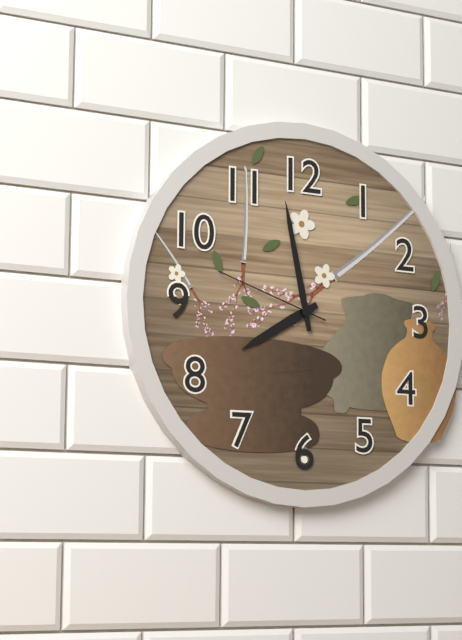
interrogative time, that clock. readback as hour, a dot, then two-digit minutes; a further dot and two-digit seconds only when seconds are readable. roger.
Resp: 7.58.48
